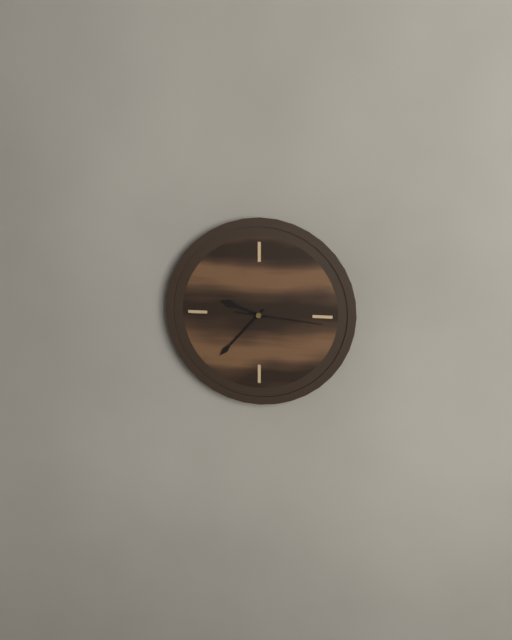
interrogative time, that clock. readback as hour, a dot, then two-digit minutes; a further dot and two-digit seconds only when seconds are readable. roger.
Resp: 9.37.16
